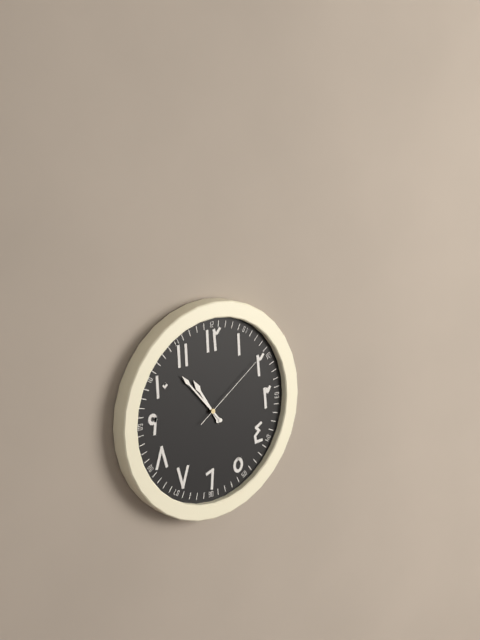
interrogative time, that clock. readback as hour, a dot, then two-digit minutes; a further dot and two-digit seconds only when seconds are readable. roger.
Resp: 10.53.09
